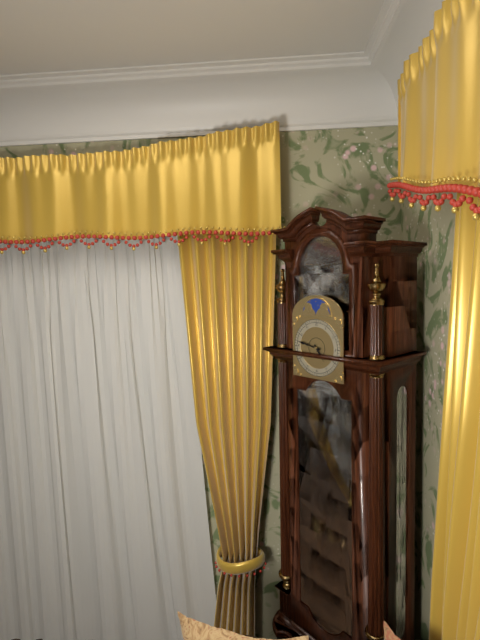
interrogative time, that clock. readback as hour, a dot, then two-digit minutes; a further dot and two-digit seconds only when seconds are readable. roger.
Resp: 4.47
